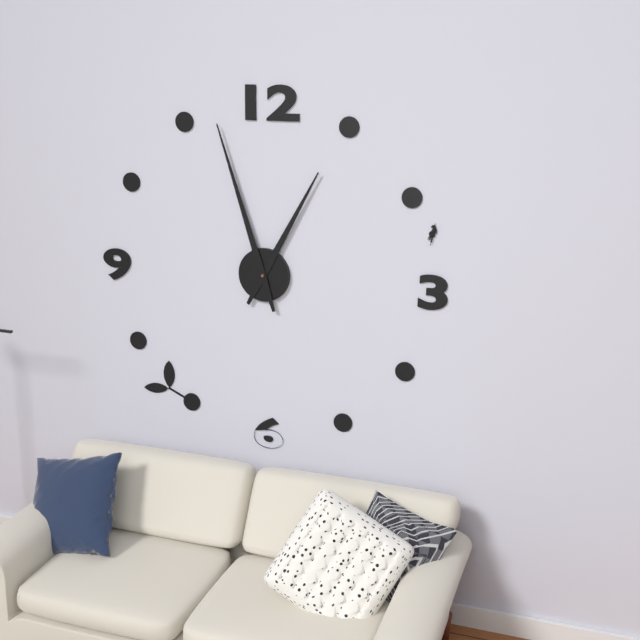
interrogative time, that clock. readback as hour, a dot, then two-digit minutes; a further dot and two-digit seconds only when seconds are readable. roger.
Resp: 12.57
